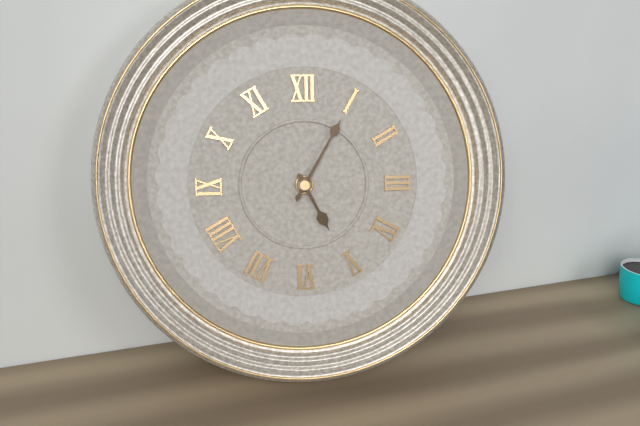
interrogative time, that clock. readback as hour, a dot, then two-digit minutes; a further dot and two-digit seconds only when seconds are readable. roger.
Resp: 5.05
